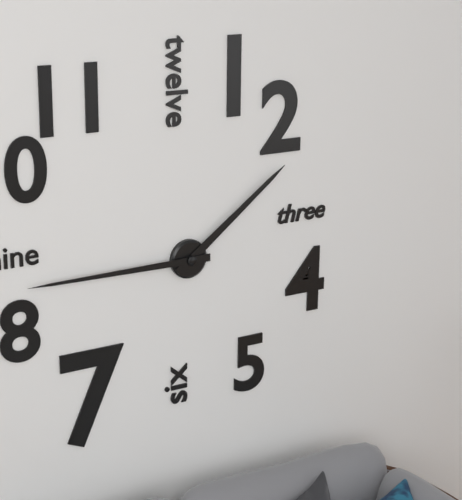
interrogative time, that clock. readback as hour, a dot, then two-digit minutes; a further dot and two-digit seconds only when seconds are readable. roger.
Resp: 1.45
